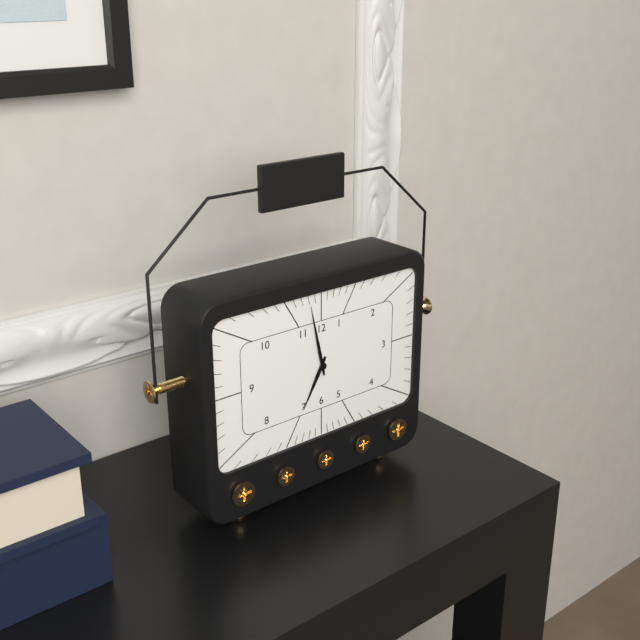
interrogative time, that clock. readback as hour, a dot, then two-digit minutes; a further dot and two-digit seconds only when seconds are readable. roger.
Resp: 6.58
